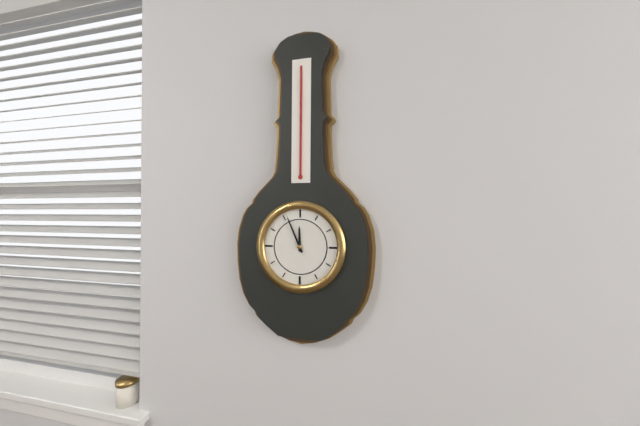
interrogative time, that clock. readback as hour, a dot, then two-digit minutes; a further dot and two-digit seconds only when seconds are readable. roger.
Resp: 11.56
